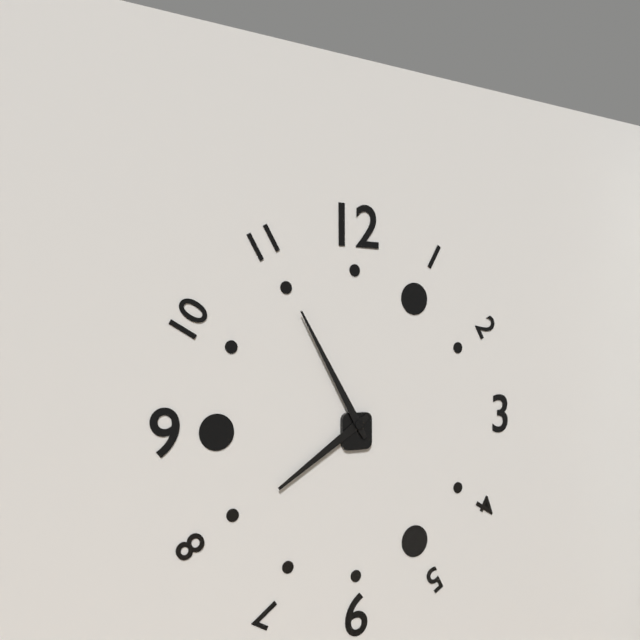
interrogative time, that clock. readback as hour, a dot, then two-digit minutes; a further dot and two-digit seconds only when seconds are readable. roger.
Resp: 7.55
